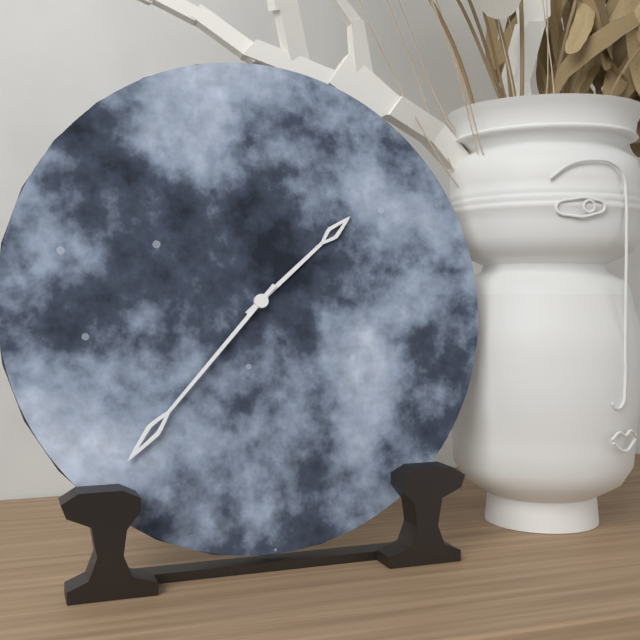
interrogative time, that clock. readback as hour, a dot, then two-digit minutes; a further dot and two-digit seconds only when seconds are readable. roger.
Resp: 1.37
